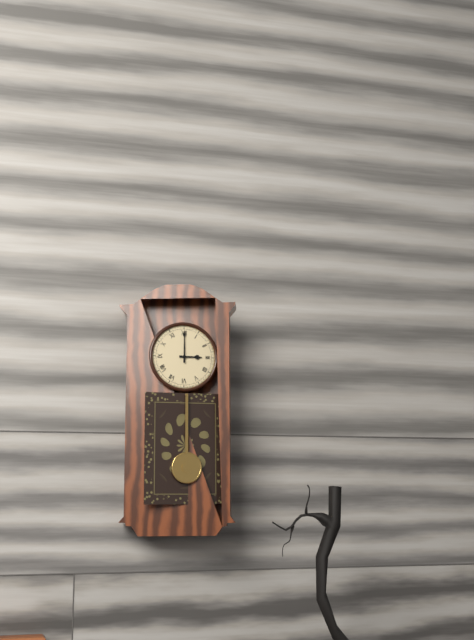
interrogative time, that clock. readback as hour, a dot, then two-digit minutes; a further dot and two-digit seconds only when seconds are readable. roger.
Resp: 3.00
